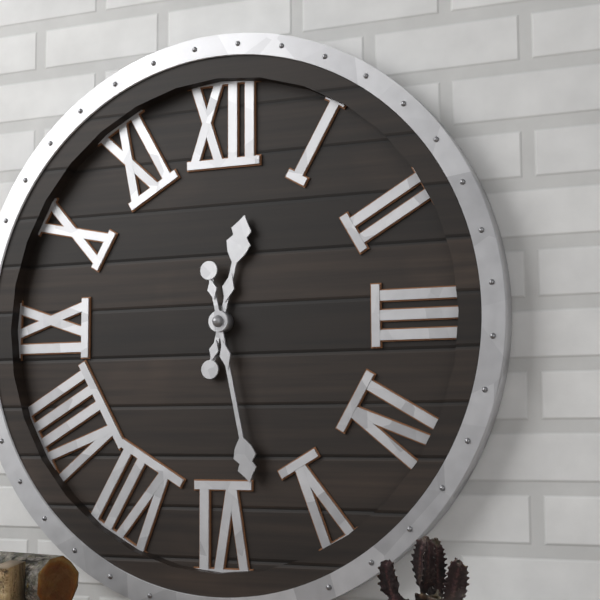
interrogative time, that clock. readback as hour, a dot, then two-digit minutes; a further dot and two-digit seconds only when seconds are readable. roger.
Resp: 12.28
